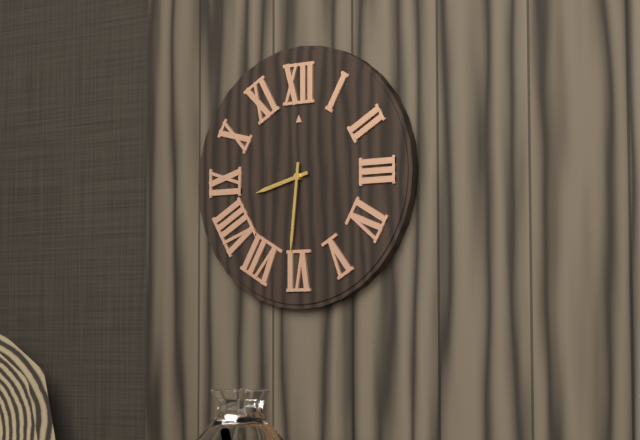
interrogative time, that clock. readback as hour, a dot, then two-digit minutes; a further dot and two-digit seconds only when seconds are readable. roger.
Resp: 8.31
